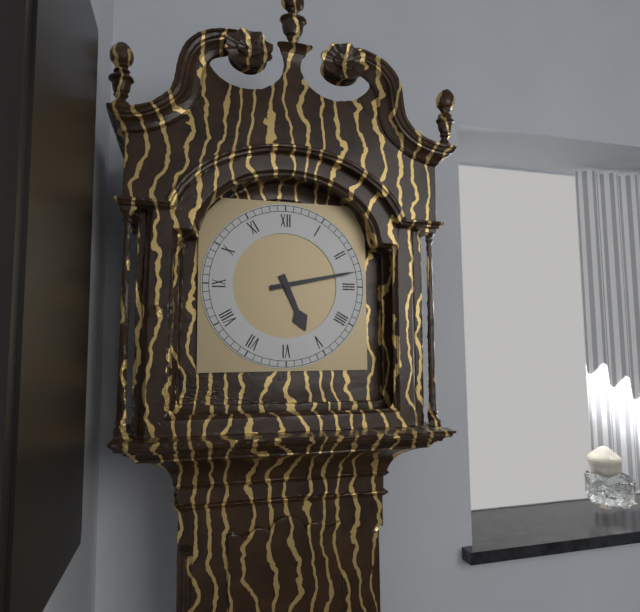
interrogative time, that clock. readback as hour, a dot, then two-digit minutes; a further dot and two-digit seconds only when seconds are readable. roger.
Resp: 5.13
